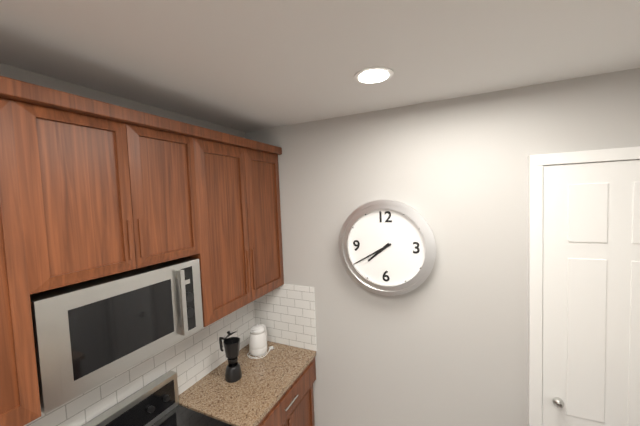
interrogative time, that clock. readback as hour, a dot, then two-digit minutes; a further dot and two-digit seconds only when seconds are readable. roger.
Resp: 7.40
